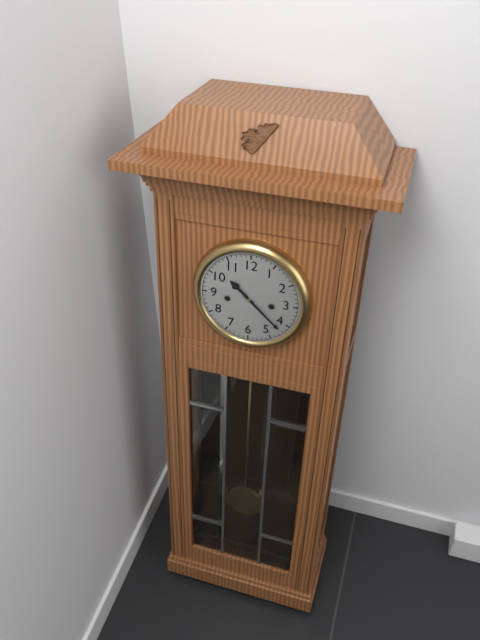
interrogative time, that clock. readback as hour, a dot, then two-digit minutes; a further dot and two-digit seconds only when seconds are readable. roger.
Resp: 10.22
